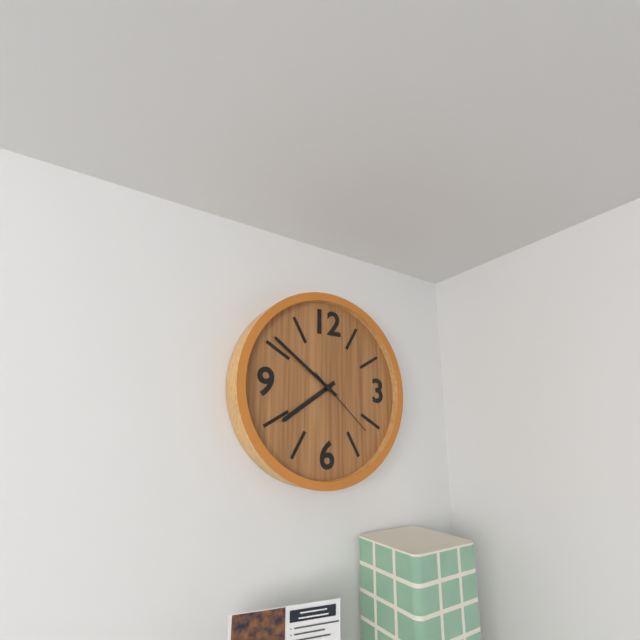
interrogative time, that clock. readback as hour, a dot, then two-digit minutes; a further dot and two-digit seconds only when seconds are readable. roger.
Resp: 7.51.22
